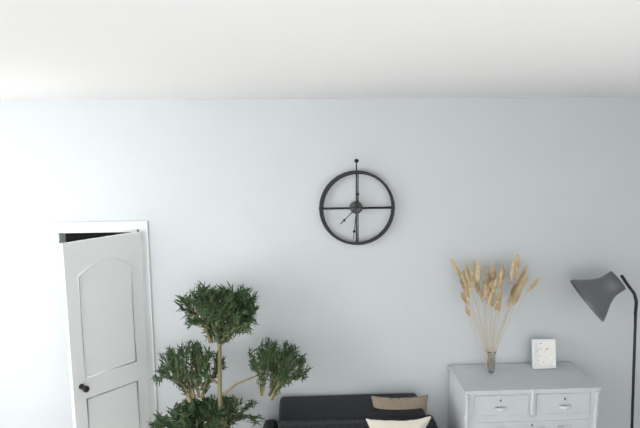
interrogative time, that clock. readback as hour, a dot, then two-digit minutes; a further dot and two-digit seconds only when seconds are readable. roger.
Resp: 7.31
